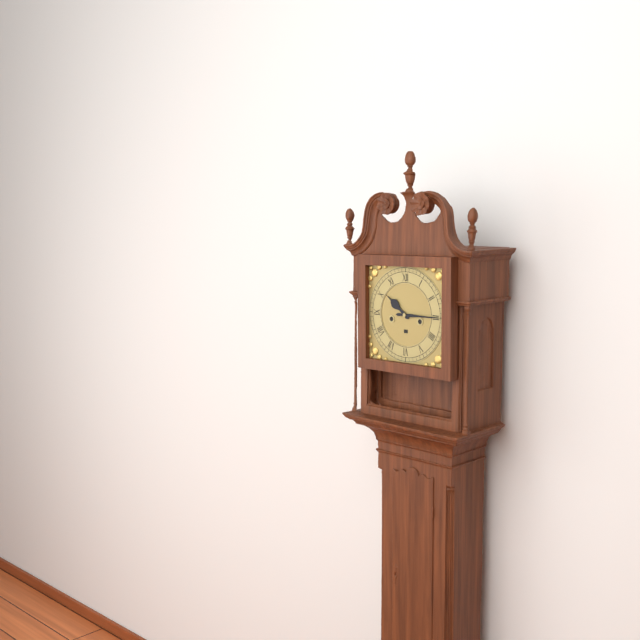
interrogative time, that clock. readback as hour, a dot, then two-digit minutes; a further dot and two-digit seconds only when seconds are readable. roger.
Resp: 10.15
